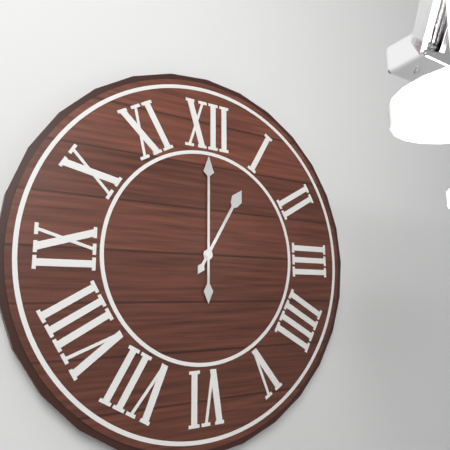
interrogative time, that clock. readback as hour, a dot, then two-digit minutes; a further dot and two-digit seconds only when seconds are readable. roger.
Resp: 1.00
